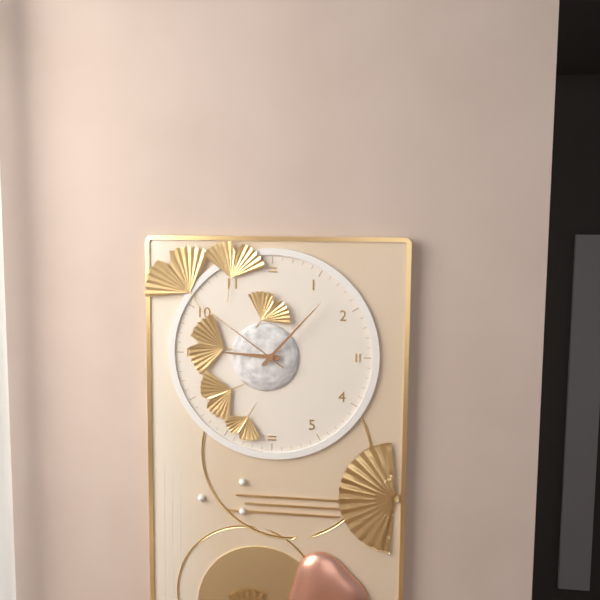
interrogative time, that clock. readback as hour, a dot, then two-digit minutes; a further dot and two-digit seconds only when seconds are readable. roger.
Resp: 9.07.51
